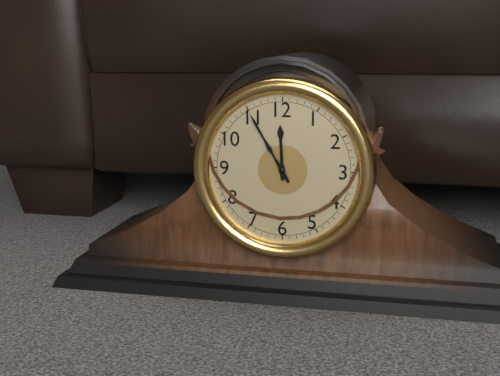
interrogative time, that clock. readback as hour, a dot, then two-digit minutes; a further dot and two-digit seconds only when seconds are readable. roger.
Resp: 11.55
